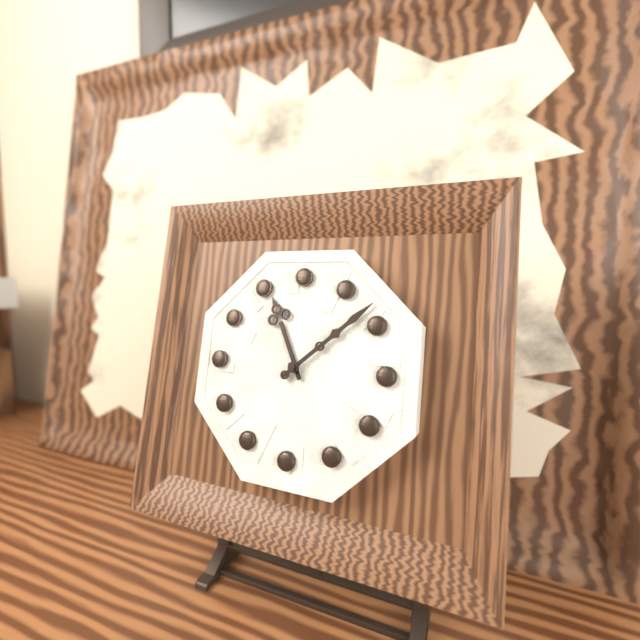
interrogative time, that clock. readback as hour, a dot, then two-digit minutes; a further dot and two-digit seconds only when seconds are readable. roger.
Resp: 11.08
